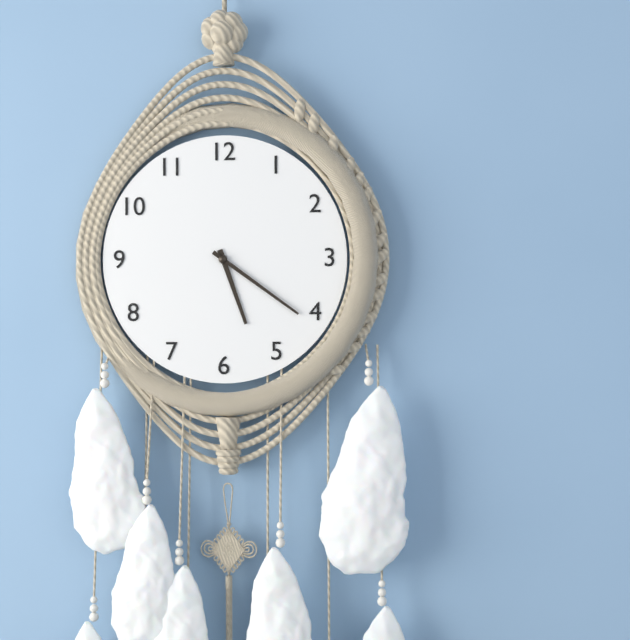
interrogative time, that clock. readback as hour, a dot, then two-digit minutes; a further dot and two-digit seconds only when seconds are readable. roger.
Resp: 5.21
